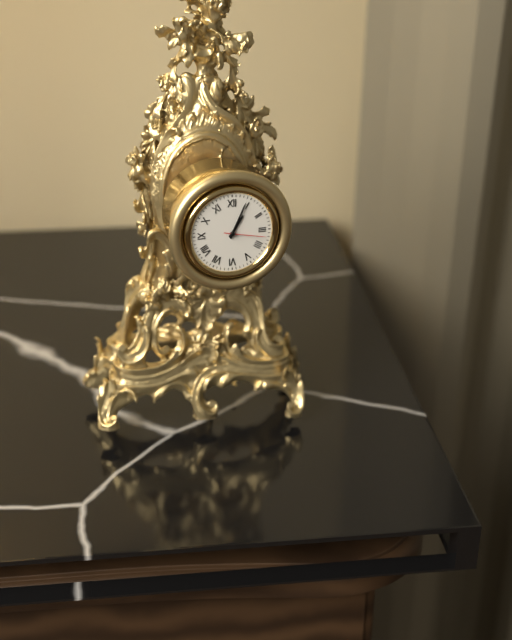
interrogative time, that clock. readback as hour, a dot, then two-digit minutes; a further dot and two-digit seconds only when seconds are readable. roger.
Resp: 1.04
